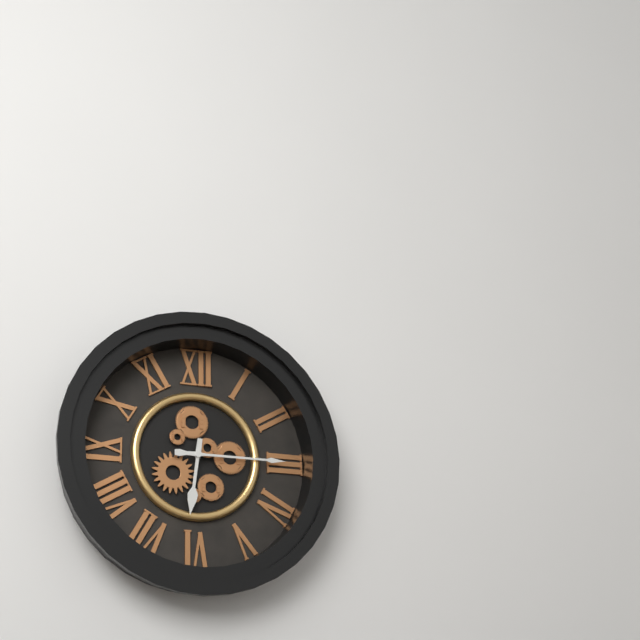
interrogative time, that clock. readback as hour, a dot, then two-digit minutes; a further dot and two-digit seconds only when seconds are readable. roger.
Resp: 6.15
